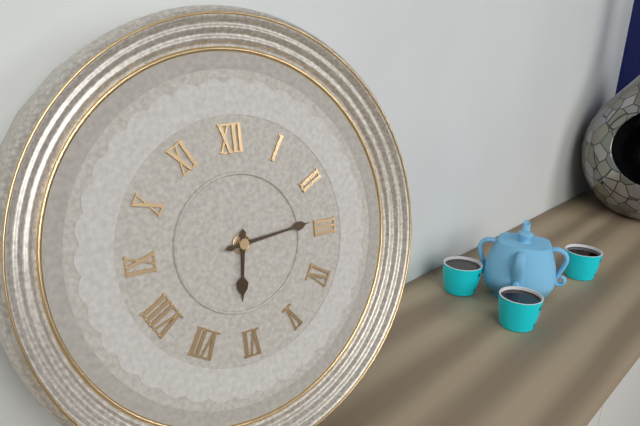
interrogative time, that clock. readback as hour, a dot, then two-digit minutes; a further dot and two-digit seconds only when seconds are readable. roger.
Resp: 6.14
